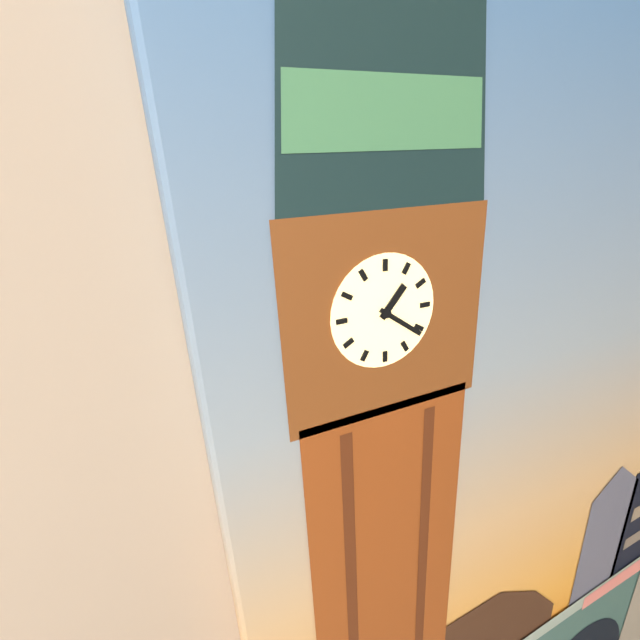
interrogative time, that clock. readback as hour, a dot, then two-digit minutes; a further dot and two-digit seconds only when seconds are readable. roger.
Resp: 1.21
